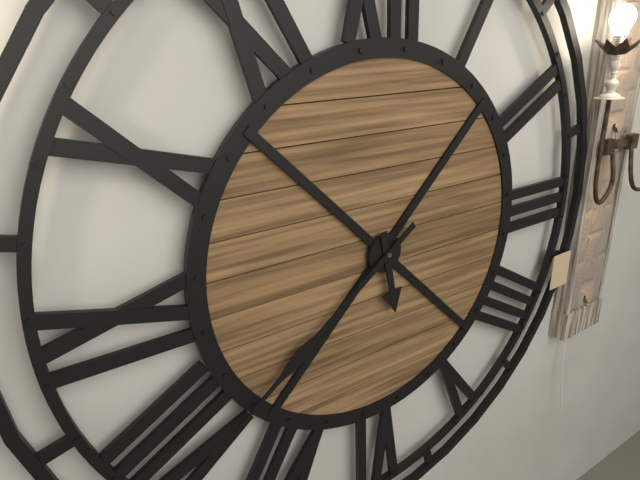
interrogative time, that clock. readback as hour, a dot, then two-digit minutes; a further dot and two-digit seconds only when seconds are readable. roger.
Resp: 5.39
